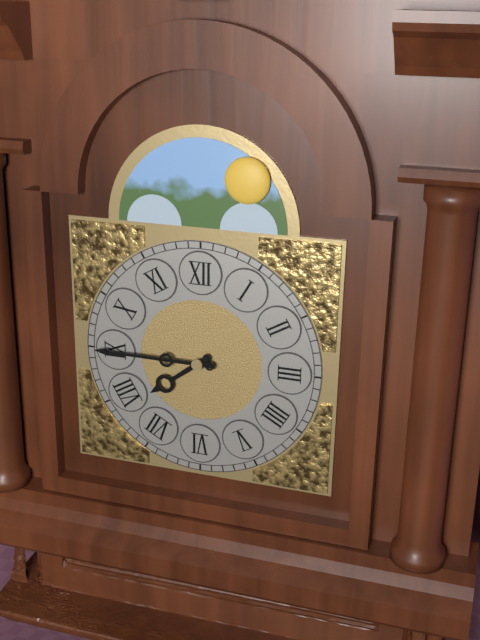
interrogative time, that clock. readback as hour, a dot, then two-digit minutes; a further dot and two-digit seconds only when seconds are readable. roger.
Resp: 7.45
